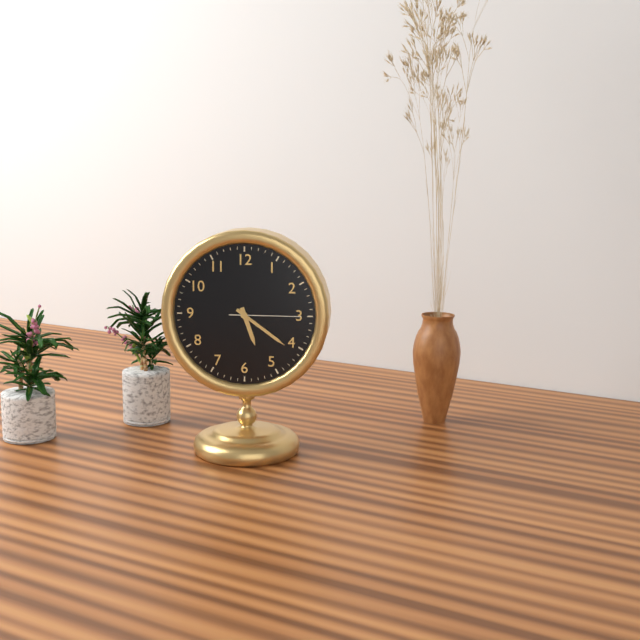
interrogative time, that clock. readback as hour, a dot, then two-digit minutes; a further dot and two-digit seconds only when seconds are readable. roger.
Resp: 5.21.15
